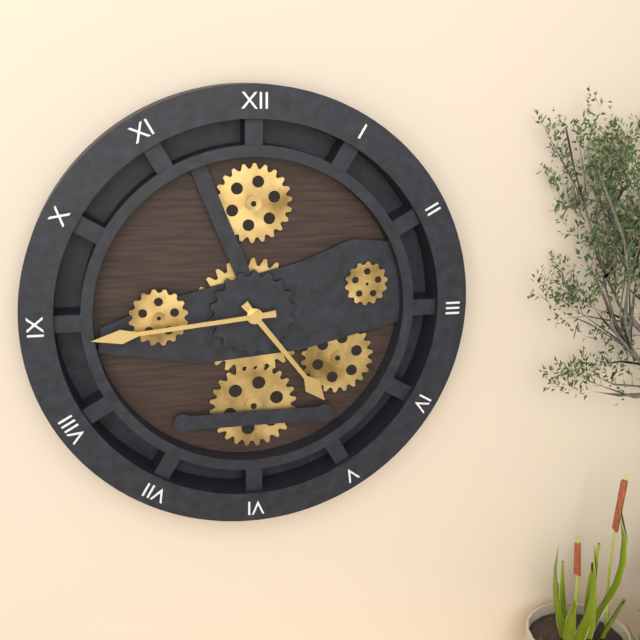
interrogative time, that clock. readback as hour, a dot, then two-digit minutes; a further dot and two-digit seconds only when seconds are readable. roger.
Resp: 4.44
